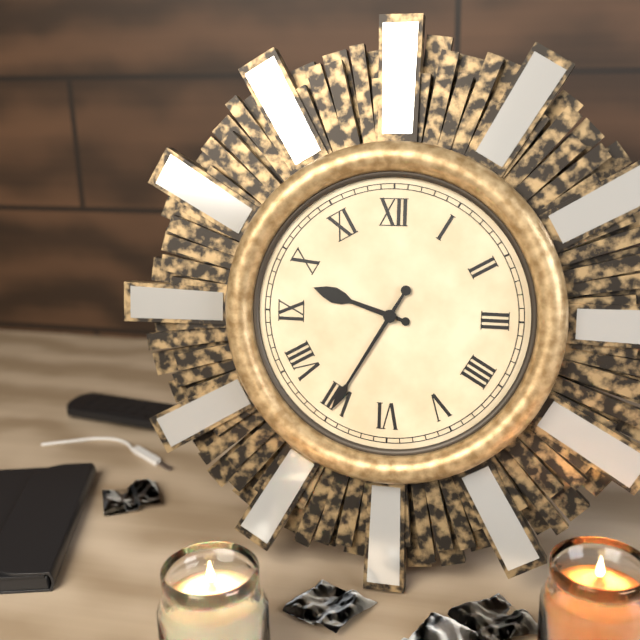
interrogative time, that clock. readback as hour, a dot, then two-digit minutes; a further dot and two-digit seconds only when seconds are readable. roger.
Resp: 9.35
